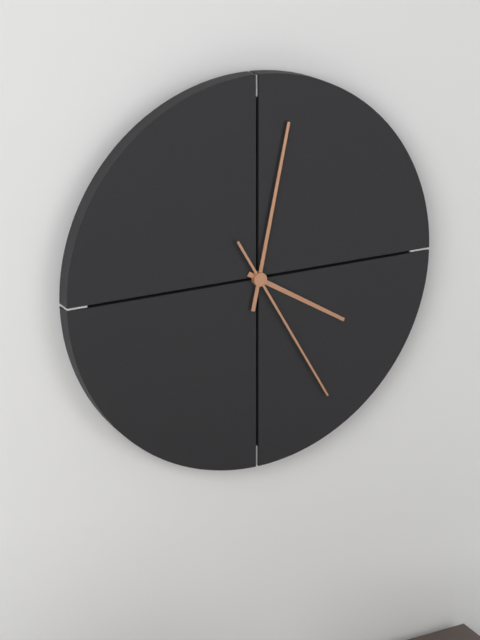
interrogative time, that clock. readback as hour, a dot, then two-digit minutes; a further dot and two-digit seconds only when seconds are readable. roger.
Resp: 4.02.25
